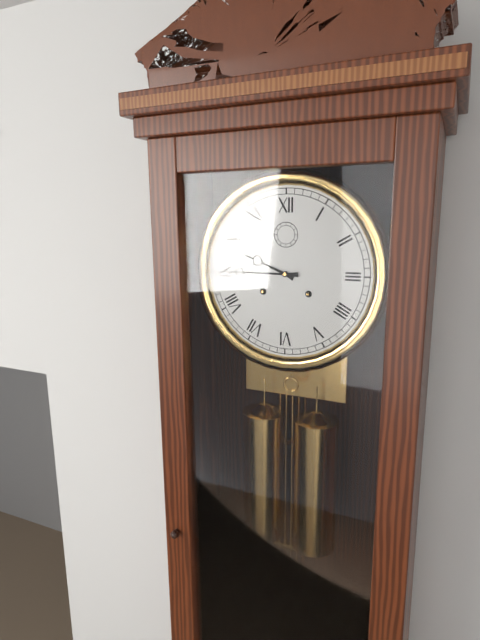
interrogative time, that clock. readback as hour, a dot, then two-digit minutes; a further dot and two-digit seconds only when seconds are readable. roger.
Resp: 9.45
